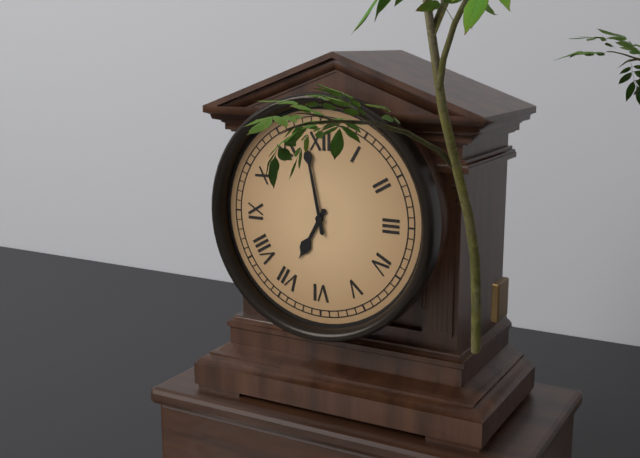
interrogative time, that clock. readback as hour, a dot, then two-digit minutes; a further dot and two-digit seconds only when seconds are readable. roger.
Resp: 6.58
